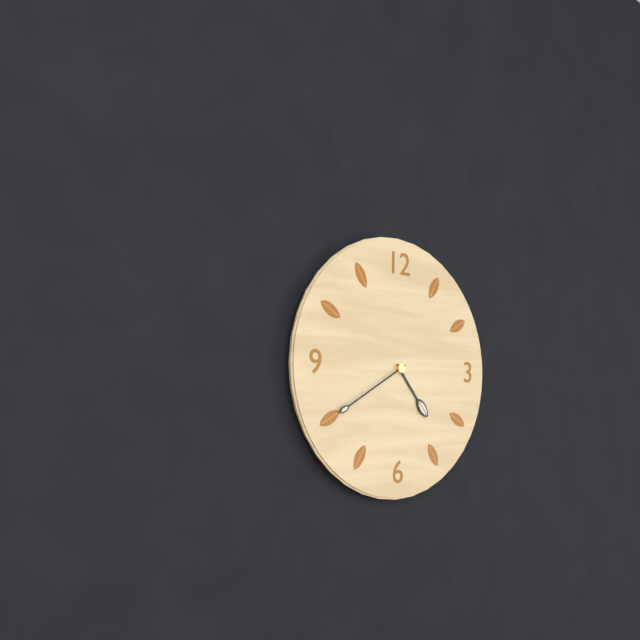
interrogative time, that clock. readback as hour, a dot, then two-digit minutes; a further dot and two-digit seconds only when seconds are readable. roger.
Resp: 4.40
